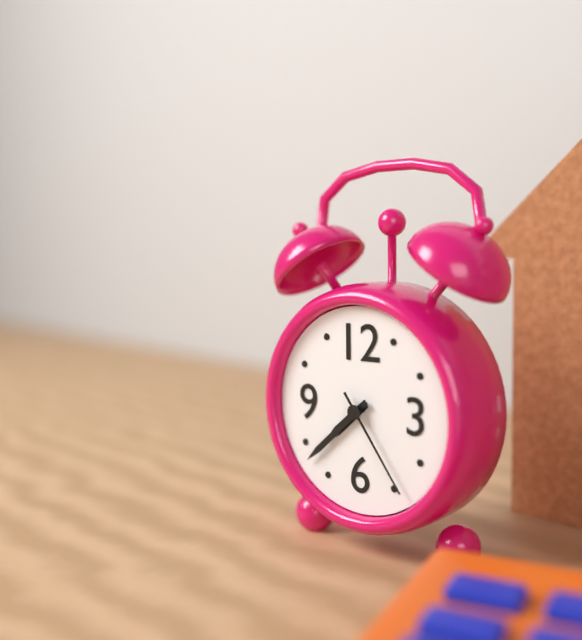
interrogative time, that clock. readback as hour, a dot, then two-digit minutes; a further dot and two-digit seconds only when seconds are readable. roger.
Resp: 7.38.24
